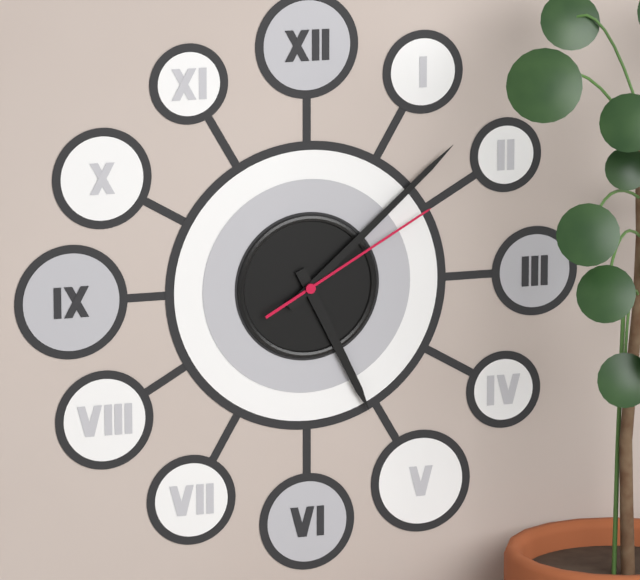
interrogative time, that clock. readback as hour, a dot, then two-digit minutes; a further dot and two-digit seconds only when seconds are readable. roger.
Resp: 5.08.10
